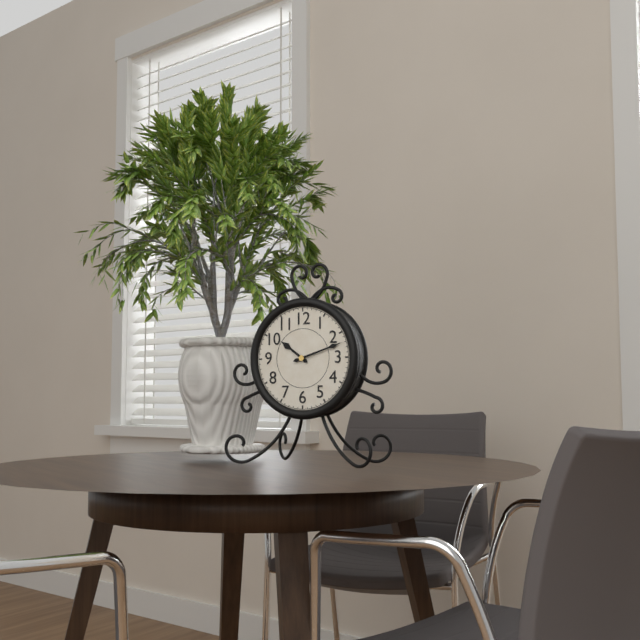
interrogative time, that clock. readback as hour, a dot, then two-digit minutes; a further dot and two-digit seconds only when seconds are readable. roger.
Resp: 10.12
